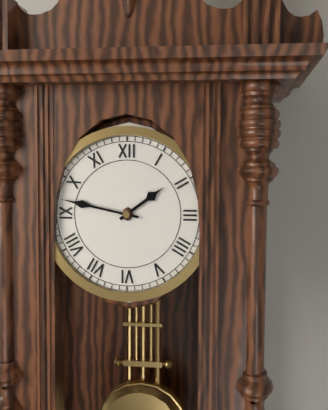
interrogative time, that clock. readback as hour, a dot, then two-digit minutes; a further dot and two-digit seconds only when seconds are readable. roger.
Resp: 1.47
